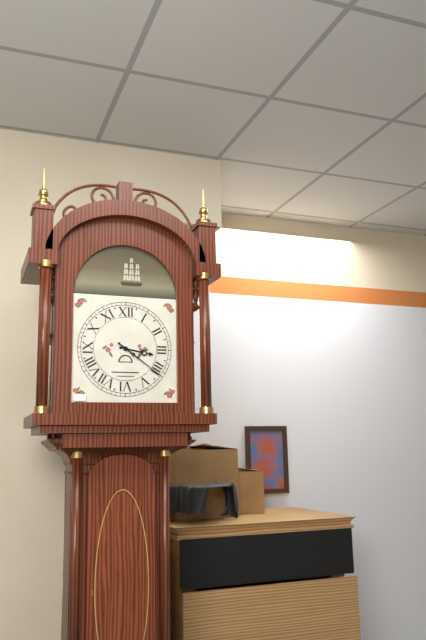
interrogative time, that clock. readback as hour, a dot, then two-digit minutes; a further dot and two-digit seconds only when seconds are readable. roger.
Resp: 3.21
